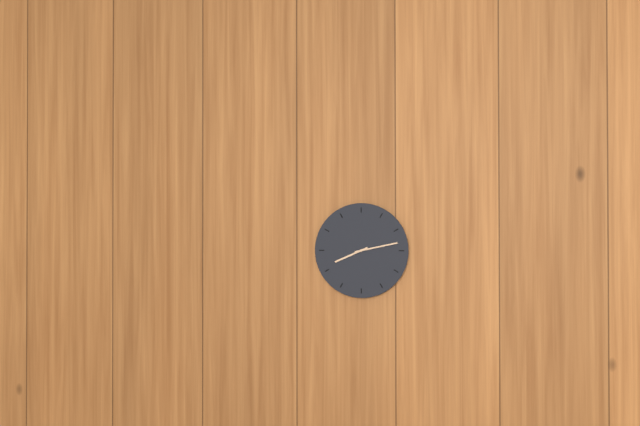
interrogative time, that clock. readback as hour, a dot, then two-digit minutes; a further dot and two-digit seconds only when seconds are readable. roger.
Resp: 8.13
